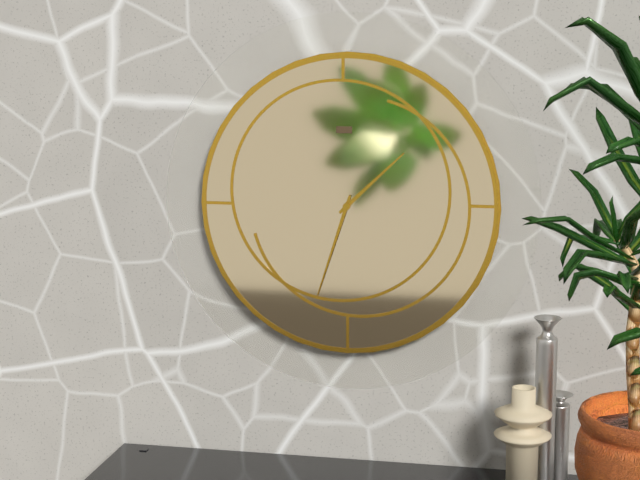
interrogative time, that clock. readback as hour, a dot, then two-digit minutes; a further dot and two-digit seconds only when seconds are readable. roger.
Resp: 1.33
